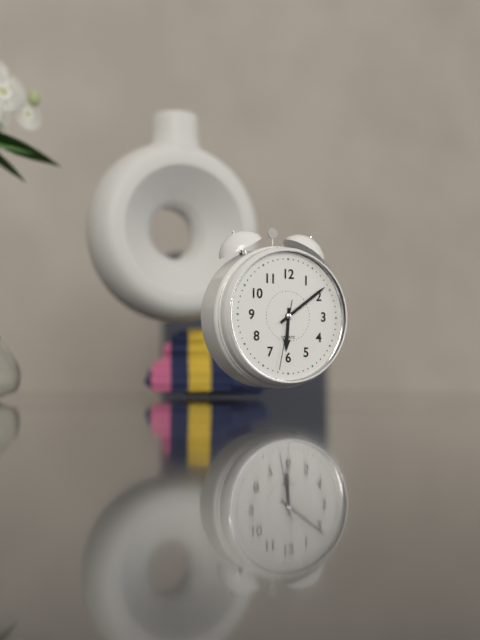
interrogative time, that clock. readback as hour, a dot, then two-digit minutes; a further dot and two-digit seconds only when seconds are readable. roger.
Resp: 6.09.32
